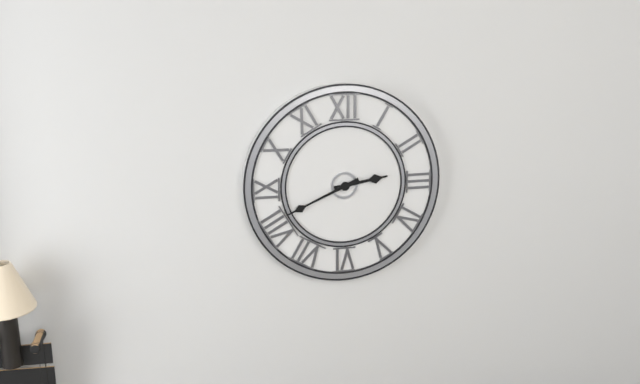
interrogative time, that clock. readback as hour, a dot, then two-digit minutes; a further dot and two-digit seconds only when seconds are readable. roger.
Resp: 2.41
